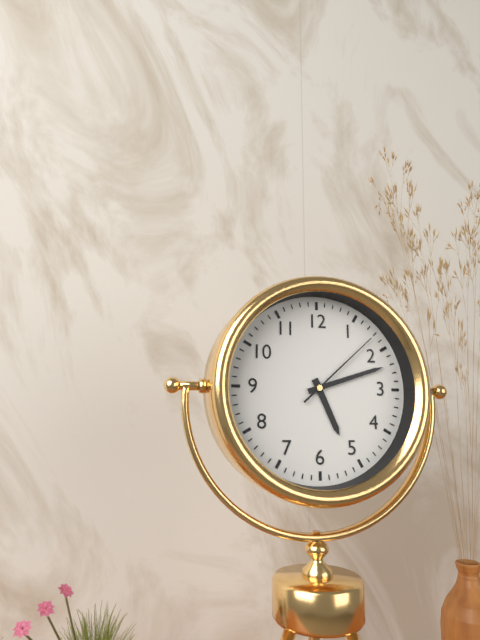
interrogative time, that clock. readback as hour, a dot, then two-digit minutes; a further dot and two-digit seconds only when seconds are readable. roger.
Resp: 5.12.08
